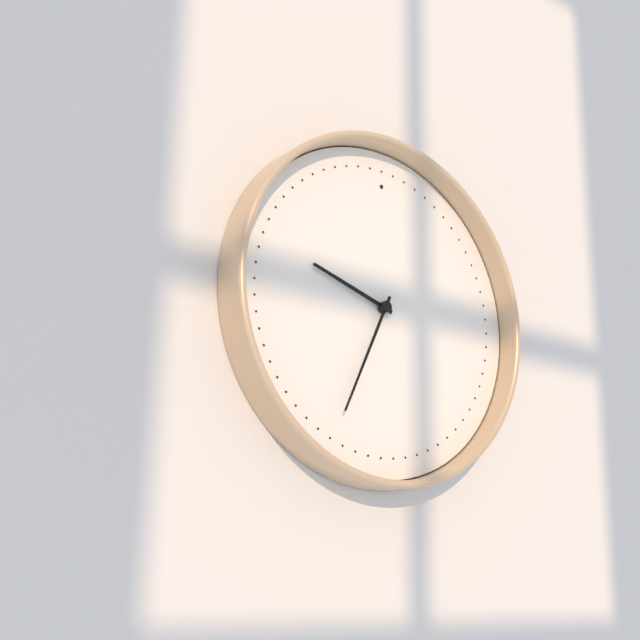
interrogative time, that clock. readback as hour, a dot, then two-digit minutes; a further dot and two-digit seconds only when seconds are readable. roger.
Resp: 9.34
